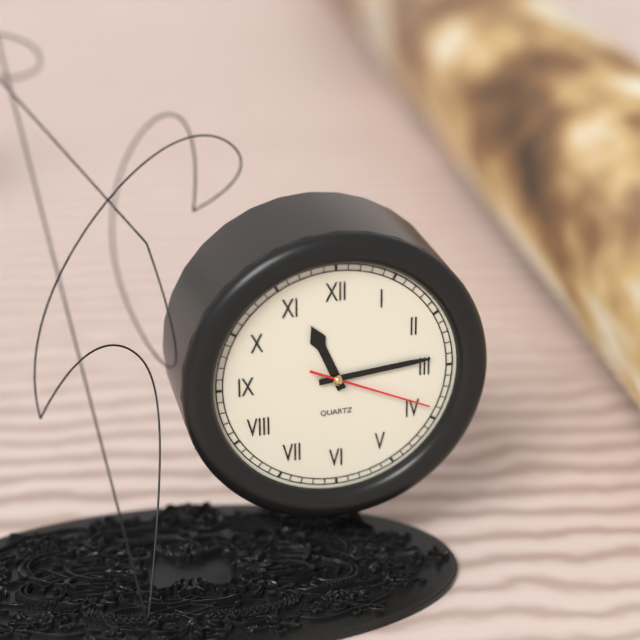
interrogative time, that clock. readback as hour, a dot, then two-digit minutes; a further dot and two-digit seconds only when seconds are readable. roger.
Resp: 11.14.19
